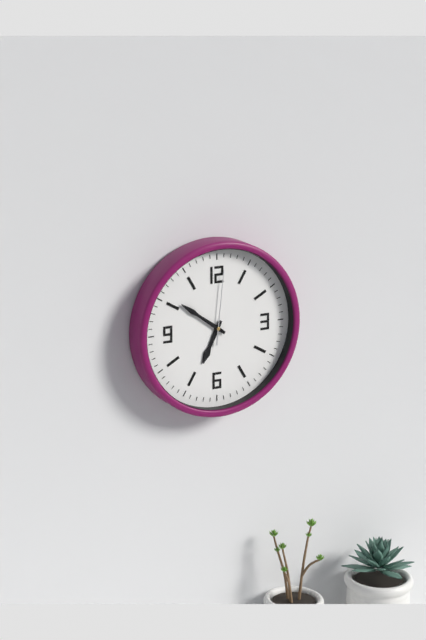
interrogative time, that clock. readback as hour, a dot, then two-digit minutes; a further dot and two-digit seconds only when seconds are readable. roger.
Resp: 6.51.01
